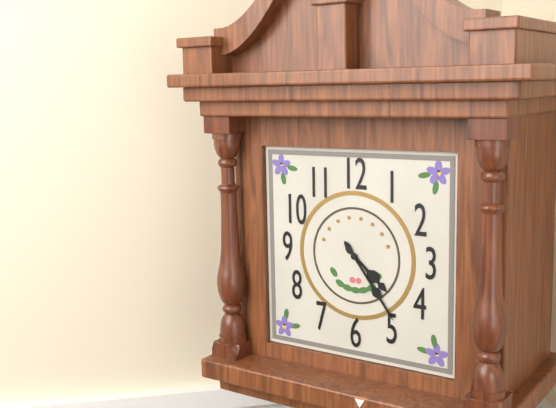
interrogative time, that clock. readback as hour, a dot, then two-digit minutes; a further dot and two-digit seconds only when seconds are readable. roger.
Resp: 4.24
